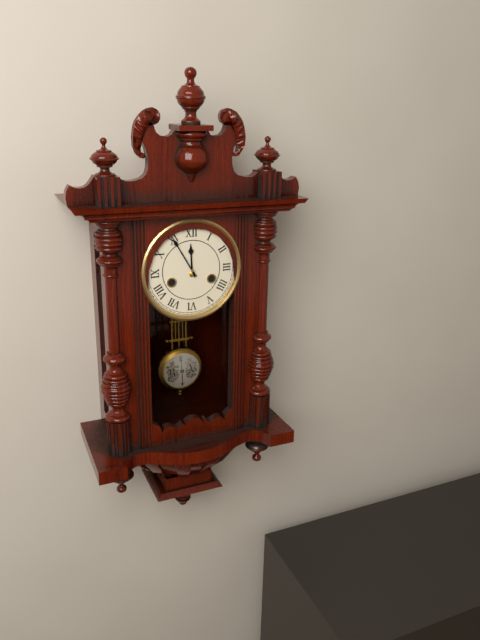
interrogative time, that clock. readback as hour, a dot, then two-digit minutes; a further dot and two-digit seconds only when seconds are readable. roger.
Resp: 11.55
